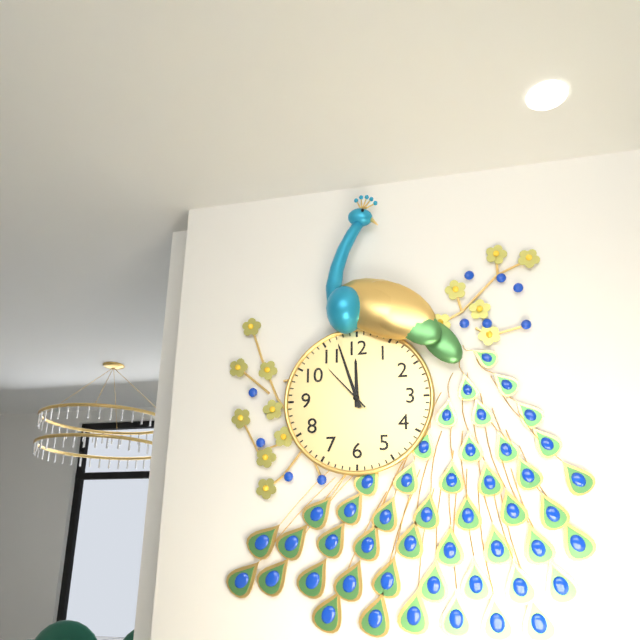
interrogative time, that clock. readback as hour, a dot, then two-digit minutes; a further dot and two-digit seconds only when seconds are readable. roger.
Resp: 11.57.53
